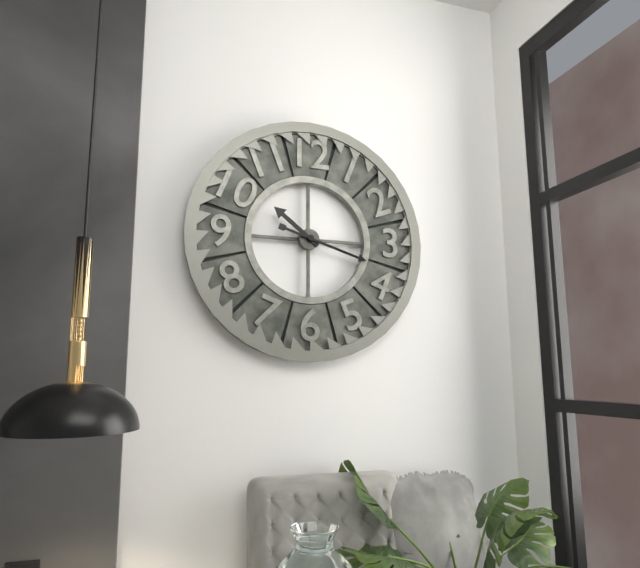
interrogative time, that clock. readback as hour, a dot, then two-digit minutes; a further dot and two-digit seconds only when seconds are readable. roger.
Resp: 10.18
